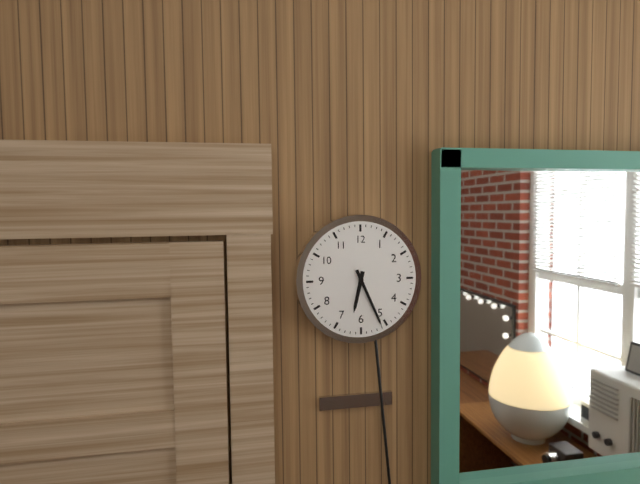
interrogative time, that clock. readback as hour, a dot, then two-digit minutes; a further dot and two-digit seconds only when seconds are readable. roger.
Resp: 6.26
